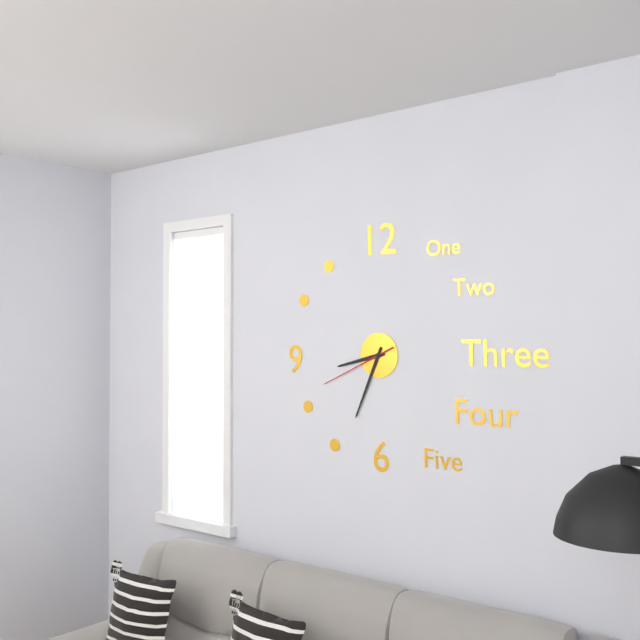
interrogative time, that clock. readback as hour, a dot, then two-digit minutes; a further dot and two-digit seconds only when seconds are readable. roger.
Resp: 8.34.41
